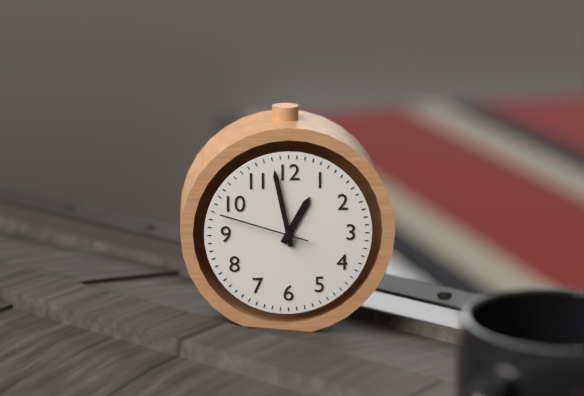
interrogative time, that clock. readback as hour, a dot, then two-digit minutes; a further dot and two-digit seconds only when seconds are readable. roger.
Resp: 12.58.48
